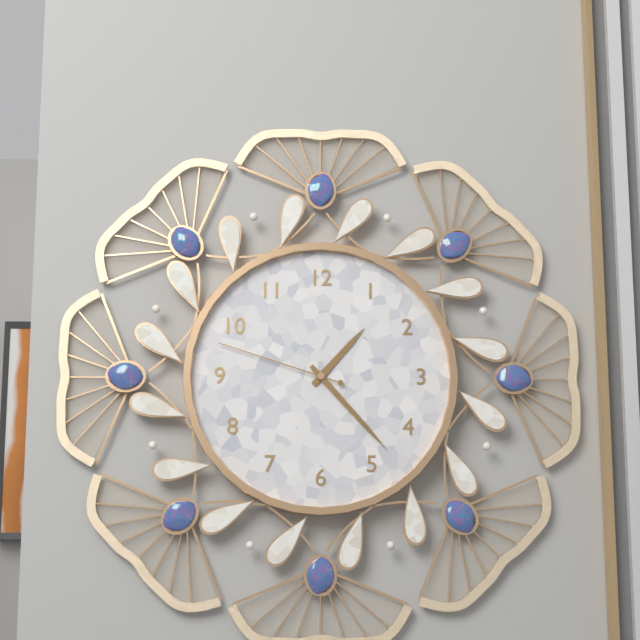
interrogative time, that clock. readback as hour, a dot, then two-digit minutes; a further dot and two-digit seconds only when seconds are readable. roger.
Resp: 1.23.48
